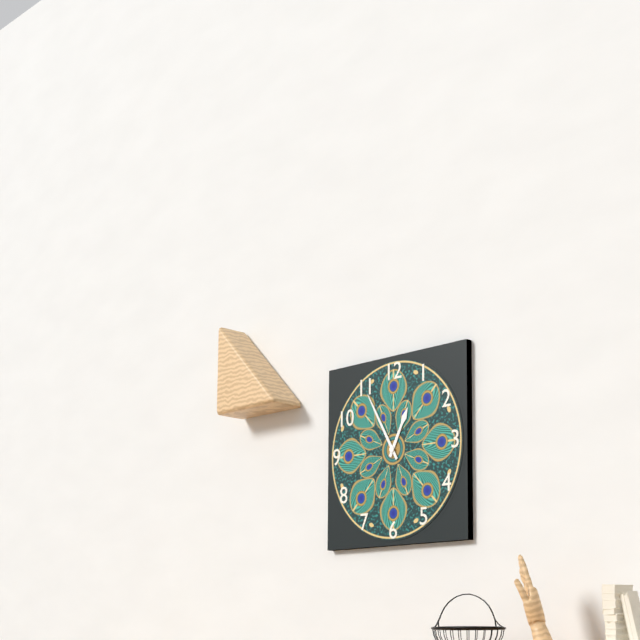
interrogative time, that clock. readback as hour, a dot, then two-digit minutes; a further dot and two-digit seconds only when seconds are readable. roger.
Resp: 12.55
